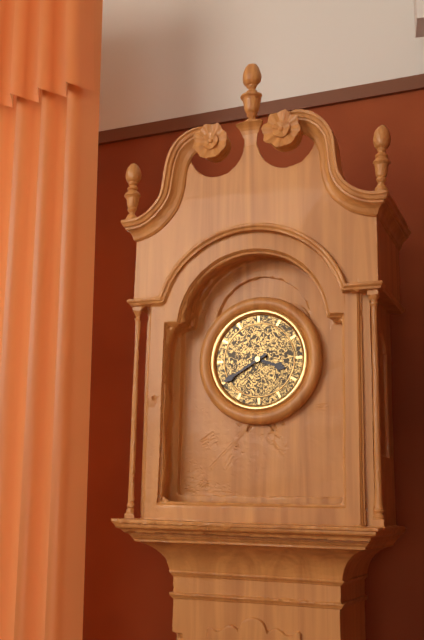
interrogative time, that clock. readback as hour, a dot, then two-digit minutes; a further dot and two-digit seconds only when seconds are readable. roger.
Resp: 3.40
